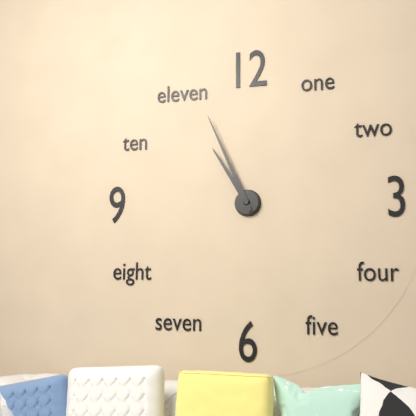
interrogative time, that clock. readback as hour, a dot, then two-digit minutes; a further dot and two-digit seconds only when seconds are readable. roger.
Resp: 10.56
